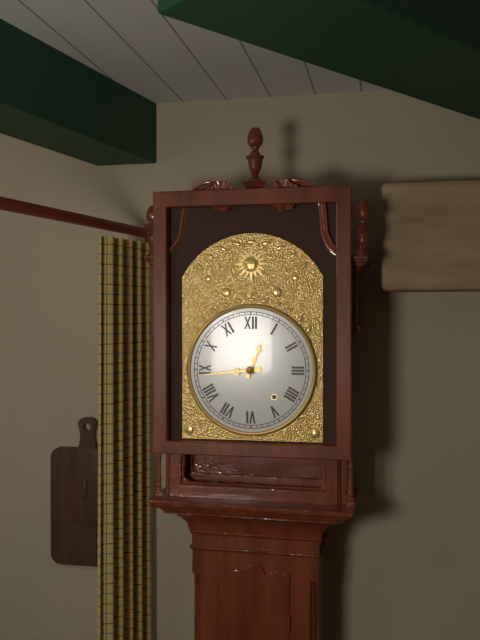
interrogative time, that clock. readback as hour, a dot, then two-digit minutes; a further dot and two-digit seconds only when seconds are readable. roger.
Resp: 12.44
